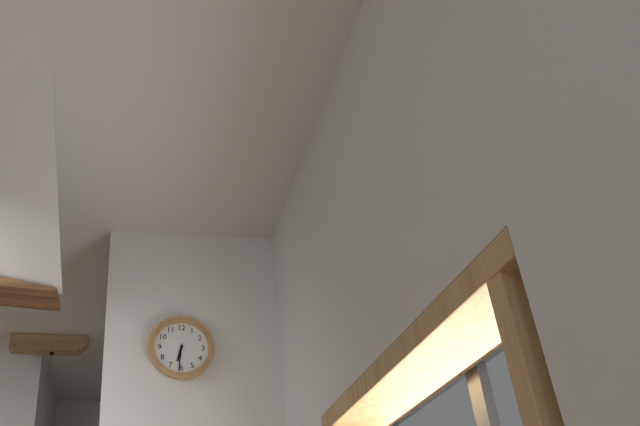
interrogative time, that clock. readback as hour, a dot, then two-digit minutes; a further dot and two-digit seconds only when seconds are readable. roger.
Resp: 6.31
